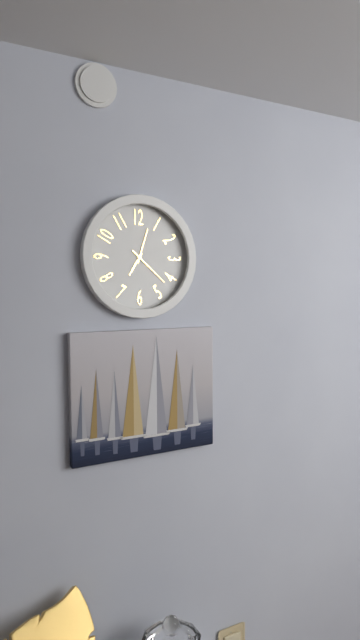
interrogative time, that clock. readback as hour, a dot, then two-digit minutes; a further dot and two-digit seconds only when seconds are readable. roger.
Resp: 7.03
